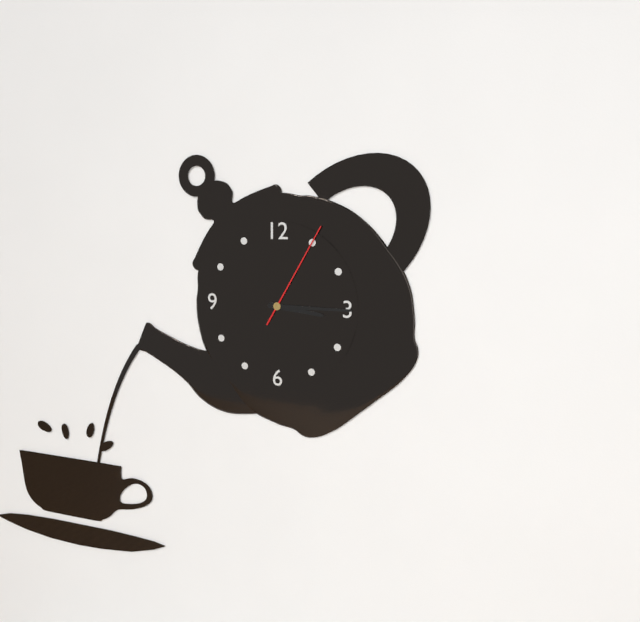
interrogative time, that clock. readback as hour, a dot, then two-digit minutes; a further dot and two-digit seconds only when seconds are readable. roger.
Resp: 3.15.05
